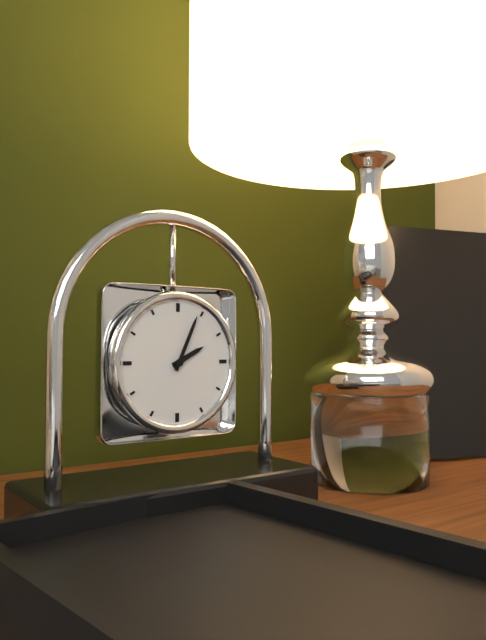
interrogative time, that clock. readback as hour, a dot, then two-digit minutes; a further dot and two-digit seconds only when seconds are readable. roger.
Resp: 2.04
